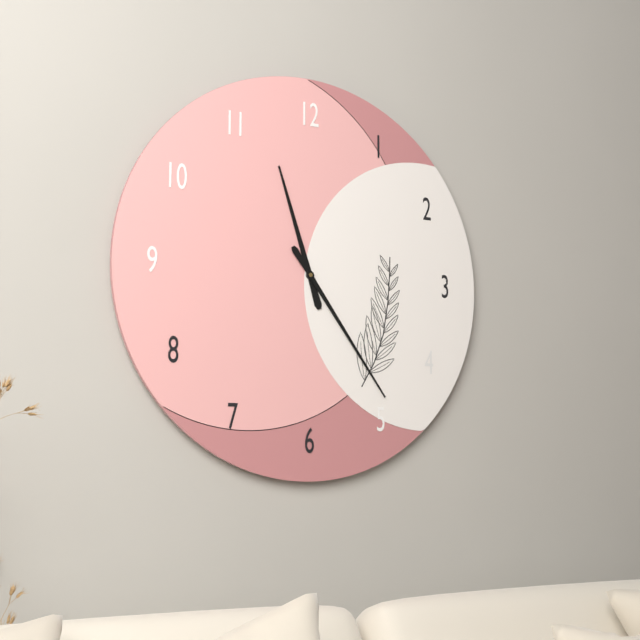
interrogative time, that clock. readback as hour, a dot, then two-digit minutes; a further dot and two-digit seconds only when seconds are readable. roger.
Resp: 11.24
